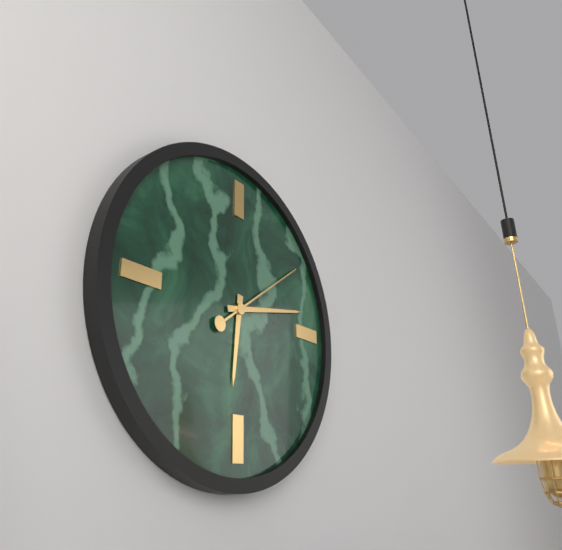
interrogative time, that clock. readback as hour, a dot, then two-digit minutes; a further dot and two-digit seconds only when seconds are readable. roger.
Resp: 6.13.09
